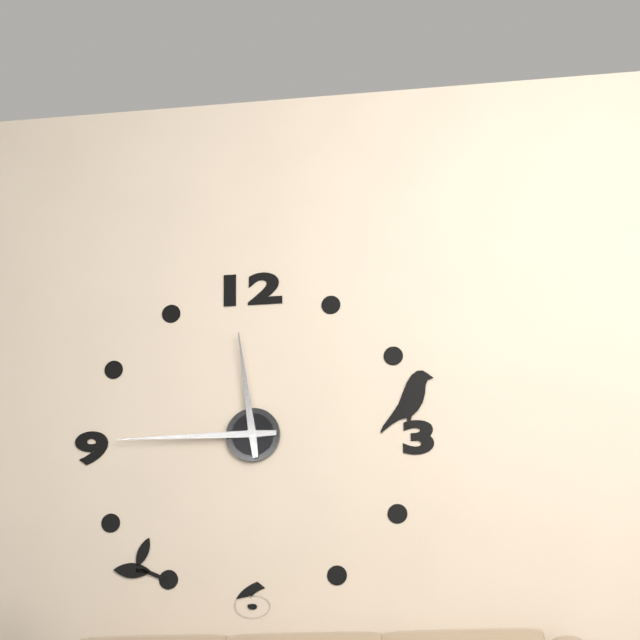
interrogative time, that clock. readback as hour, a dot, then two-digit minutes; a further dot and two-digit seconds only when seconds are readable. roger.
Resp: 11.45
